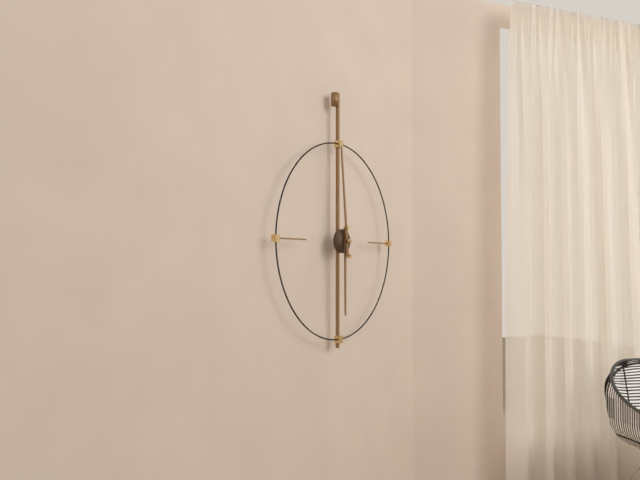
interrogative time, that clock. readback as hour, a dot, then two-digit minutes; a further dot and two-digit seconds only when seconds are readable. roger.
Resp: 5.59
